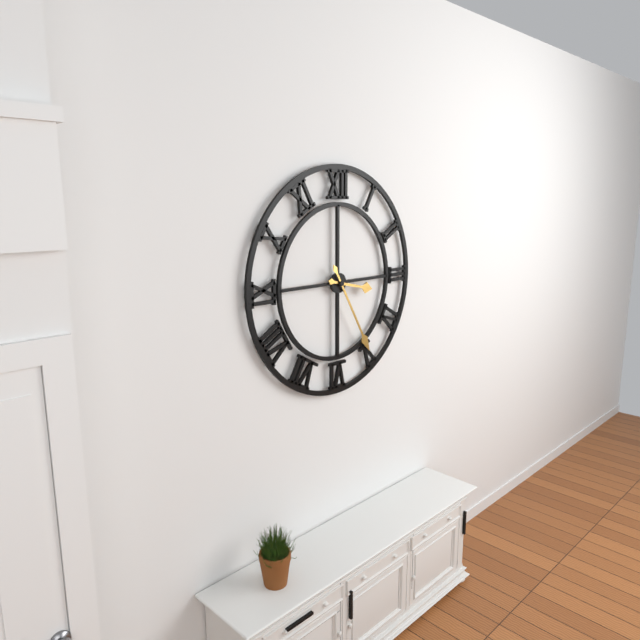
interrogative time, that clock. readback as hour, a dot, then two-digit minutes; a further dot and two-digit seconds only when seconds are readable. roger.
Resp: 3.25
